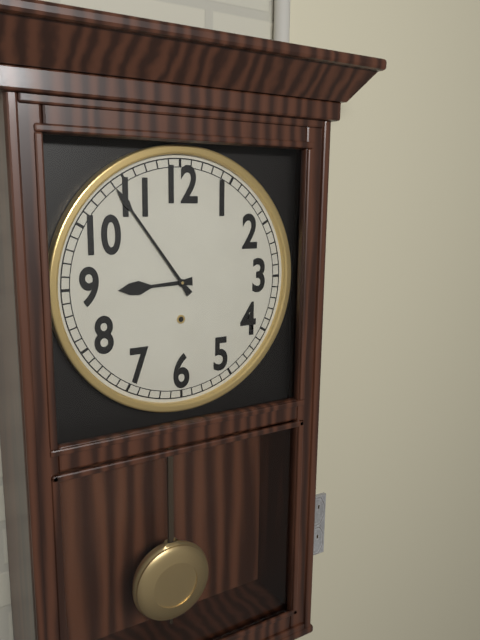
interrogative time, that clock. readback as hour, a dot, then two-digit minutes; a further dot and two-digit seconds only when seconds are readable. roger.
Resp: 8.54
